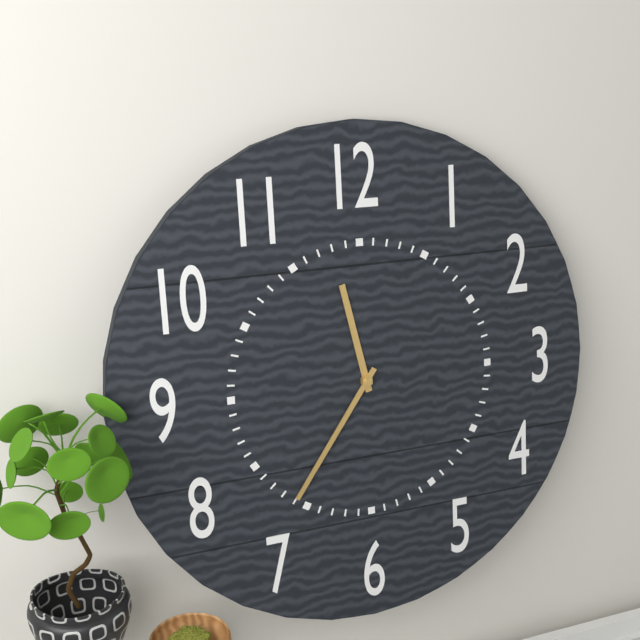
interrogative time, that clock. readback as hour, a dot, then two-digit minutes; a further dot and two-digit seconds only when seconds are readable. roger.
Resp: 11.36
